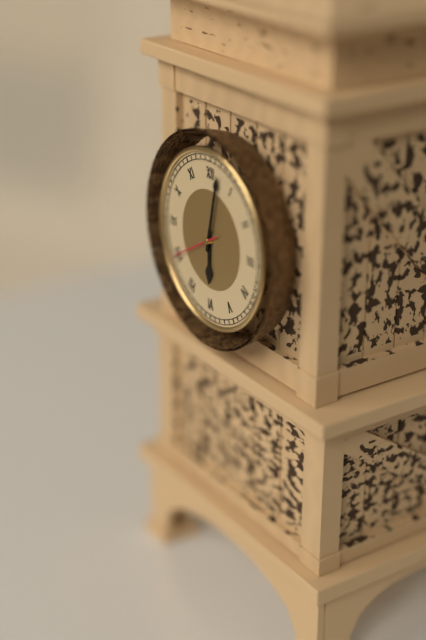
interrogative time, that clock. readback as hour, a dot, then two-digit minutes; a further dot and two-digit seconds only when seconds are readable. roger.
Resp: 6.02
